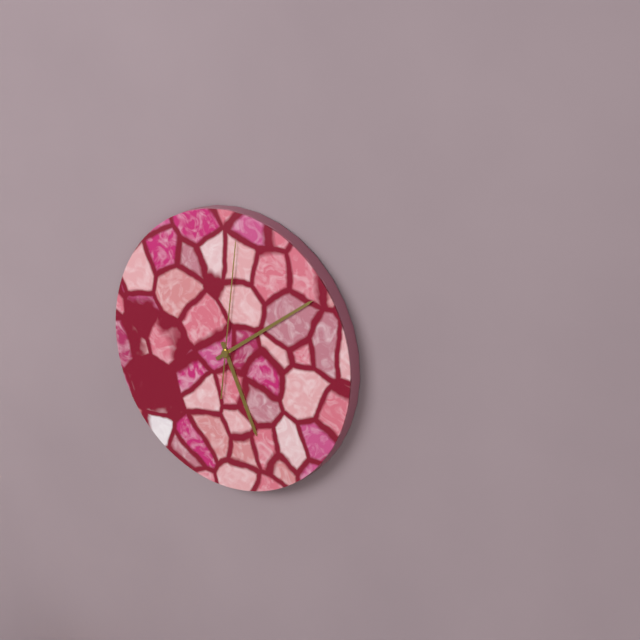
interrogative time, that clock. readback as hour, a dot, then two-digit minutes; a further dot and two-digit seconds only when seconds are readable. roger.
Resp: 5.09.01
